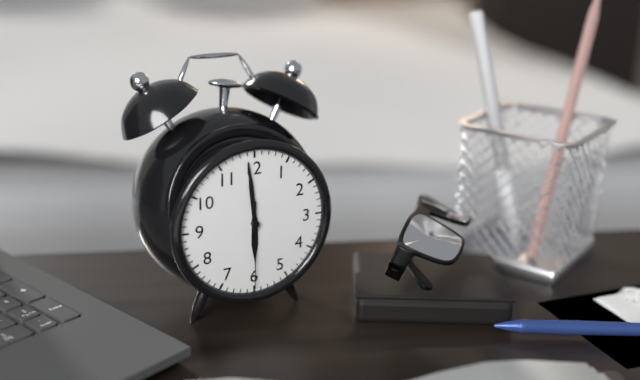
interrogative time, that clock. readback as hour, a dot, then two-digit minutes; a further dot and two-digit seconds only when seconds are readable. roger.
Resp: 5.59.30
